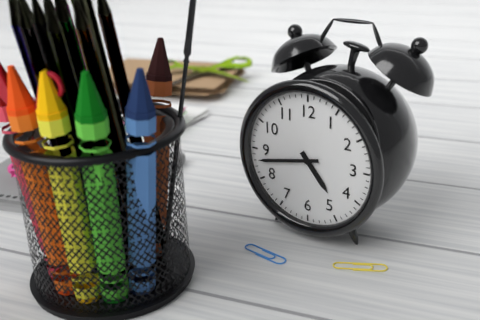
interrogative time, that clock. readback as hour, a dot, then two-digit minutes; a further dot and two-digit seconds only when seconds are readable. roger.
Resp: 4.43
